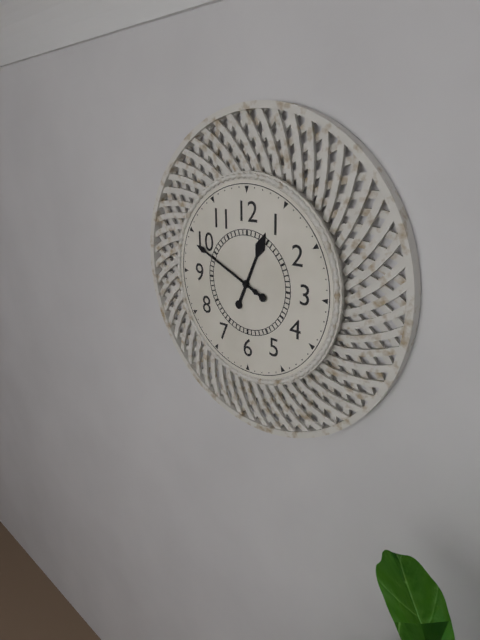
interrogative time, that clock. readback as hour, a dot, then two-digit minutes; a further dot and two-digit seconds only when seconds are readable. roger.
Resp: 12.49
